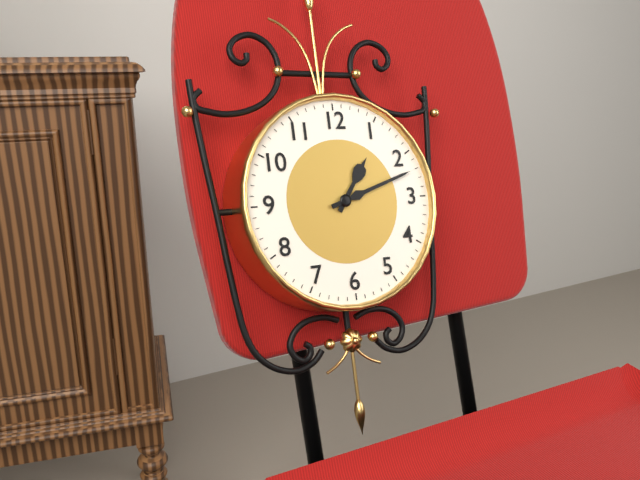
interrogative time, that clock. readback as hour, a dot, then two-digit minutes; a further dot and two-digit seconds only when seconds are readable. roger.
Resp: 1.12
